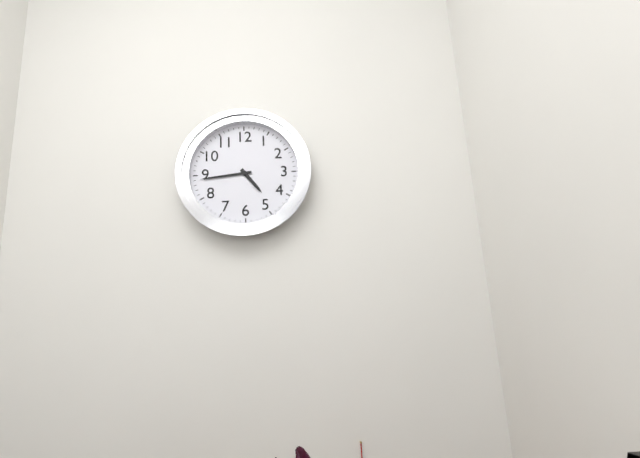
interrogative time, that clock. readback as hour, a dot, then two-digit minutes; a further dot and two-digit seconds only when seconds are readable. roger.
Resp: 4.44
